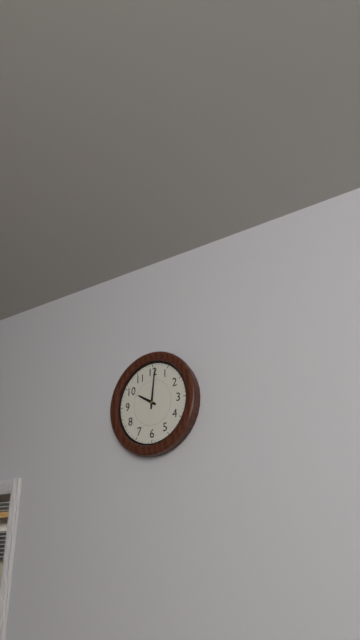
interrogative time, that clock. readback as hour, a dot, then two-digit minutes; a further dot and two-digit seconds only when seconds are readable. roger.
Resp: 10.01
